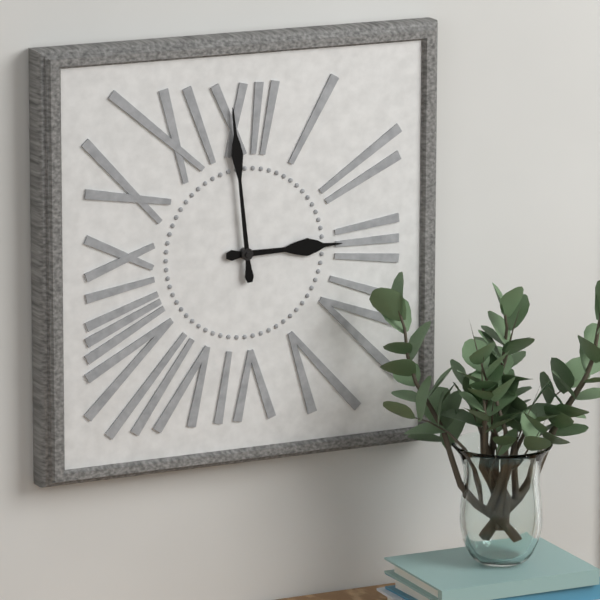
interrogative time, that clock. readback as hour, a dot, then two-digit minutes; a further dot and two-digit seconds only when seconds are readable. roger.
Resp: 2.59
